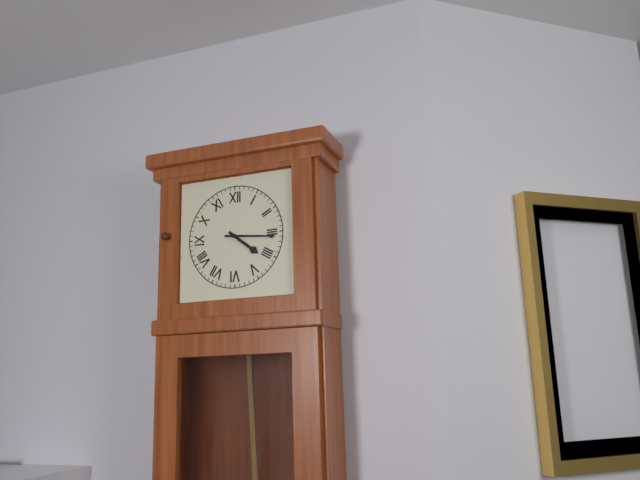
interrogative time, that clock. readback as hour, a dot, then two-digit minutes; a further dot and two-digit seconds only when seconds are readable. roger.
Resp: 4.16
